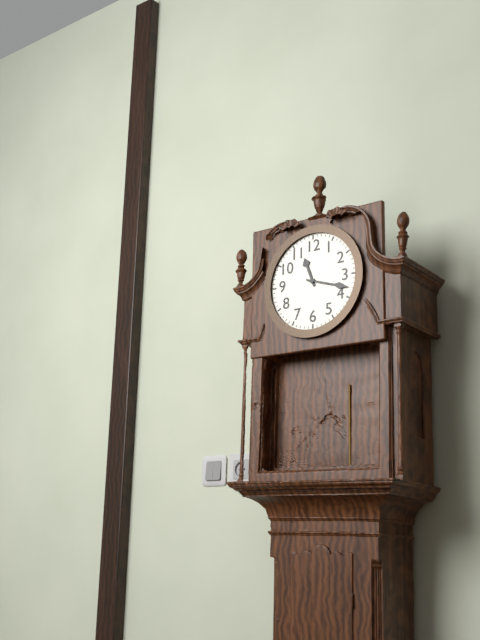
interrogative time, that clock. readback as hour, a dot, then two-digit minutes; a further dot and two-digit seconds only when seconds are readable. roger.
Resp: 11.18
